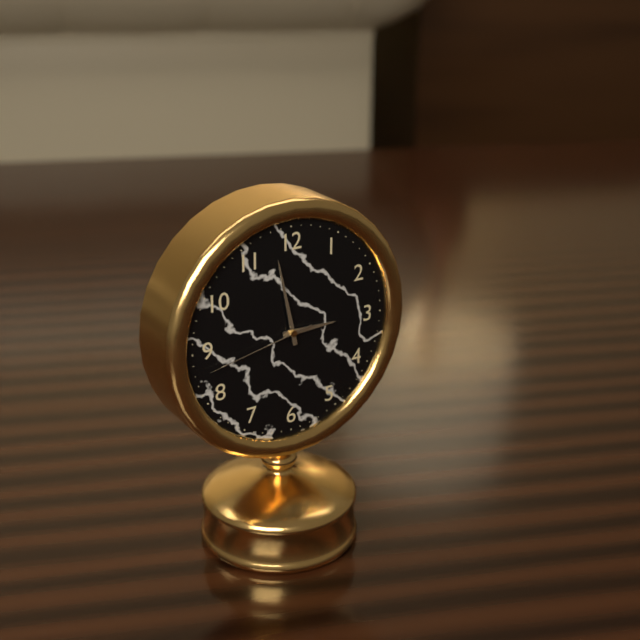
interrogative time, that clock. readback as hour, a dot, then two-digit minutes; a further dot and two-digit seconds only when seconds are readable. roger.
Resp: 2.58.43
